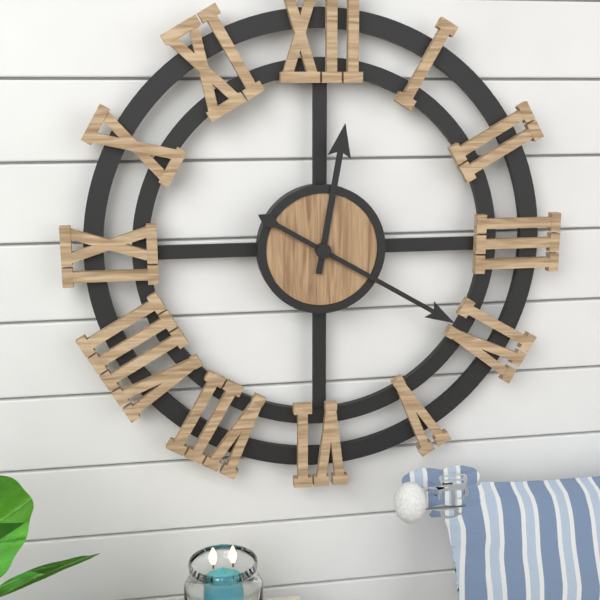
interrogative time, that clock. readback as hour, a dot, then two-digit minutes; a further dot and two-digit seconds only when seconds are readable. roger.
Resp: 12.20
